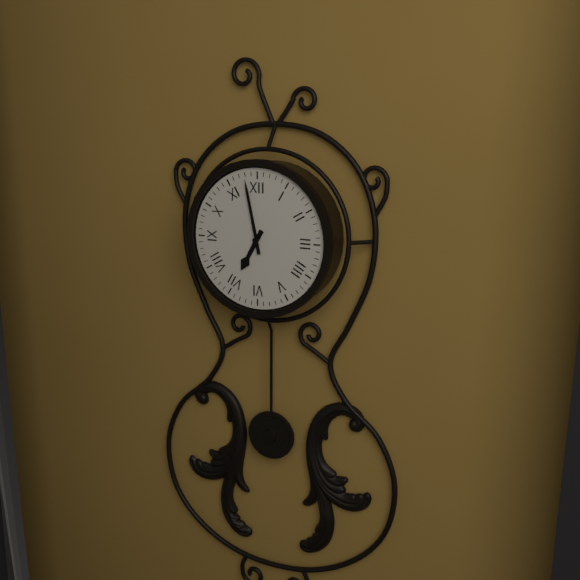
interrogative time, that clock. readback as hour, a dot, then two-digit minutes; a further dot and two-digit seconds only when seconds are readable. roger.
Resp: 6.58
